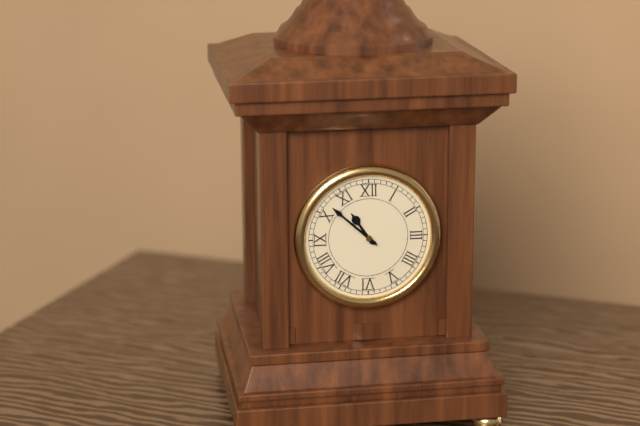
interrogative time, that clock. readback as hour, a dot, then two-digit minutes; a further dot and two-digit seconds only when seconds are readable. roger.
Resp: 10.52
